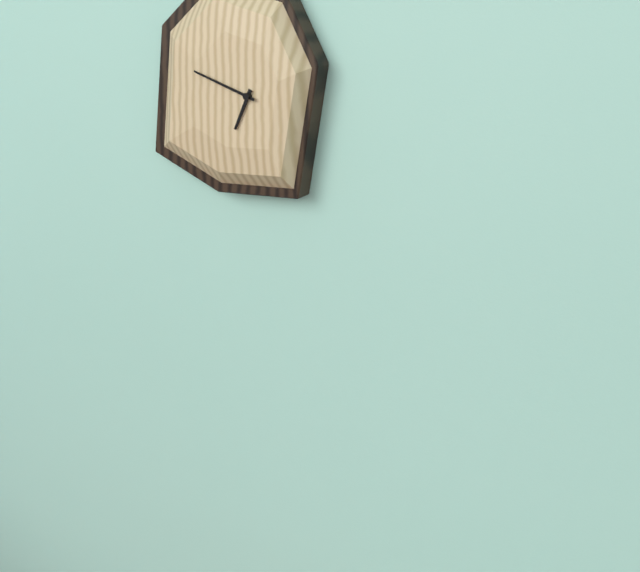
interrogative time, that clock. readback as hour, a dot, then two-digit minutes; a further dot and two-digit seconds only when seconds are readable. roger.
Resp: 6.48
